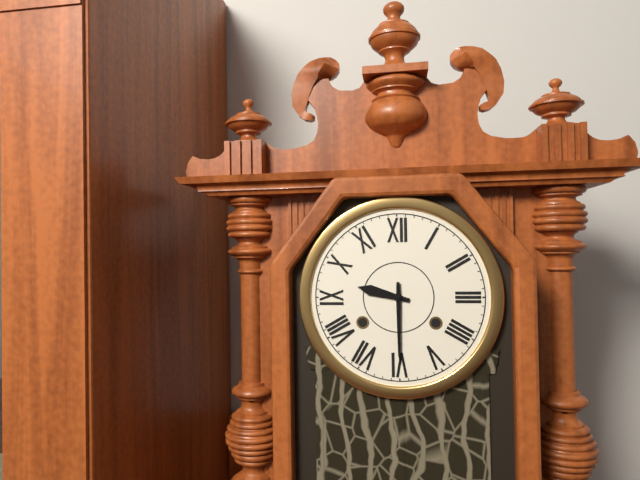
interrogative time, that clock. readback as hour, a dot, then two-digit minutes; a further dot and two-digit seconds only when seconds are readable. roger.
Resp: 9.30
